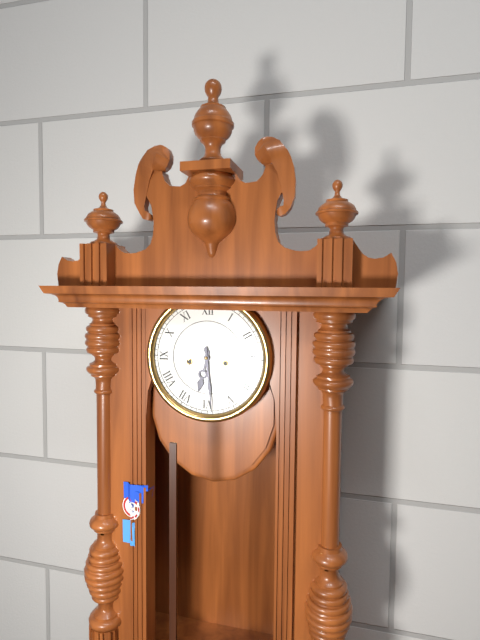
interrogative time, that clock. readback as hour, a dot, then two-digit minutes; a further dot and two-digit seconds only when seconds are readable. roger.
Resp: 6.29
